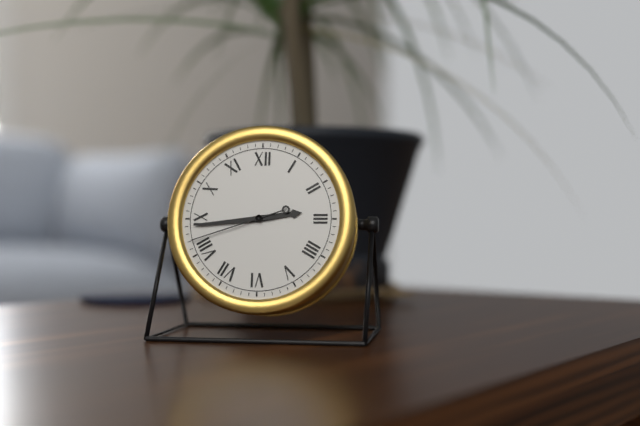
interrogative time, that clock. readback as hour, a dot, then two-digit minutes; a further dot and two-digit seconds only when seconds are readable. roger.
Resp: 2.44.42
